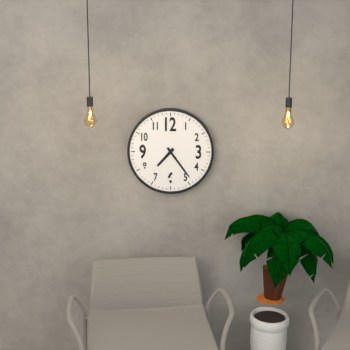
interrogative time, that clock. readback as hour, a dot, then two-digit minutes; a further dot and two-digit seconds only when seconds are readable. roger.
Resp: 7.24
